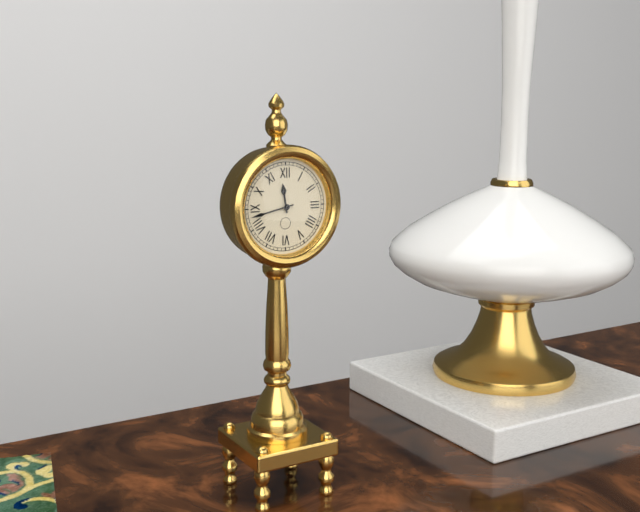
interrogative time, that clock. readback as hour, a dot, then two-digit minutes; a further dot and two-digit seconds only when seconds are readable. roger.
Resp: 11.43
